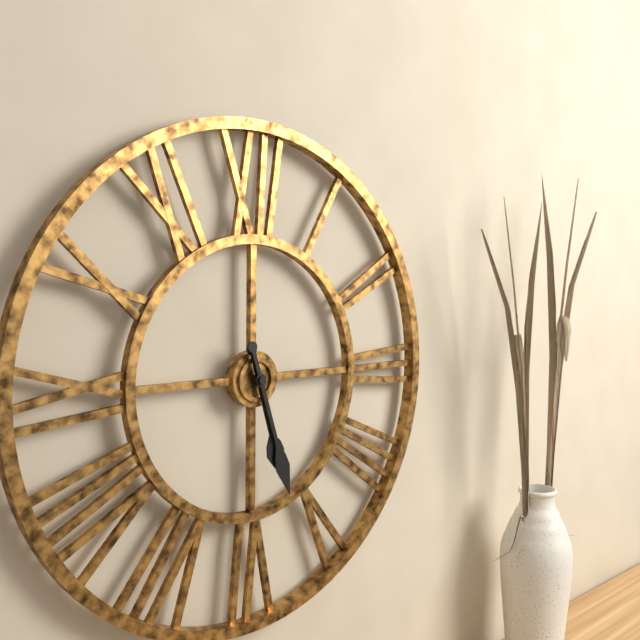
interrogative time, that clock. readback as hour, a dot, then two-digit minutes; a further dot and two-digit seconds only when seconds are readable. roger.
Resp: 5.27
